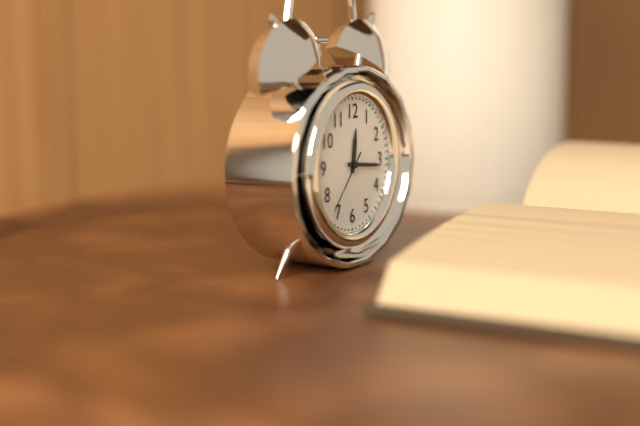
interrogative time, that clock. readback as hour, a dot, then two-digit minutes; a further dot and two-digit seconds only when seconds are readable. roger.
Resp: 12.16.37
